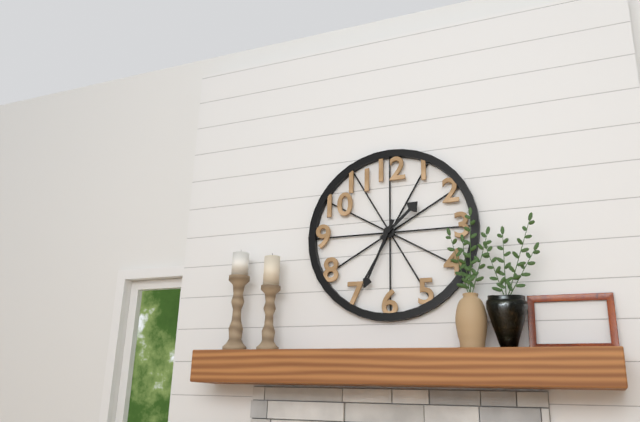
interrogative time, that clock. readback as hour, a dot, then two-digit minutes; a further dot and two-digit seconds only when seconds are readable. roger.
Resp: 1.34
